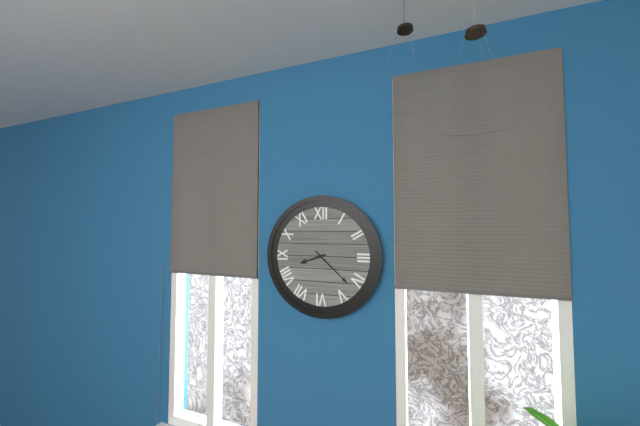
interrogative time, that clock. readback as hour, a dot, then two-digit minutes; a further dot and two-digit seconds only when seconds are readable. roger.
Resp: 8.22
